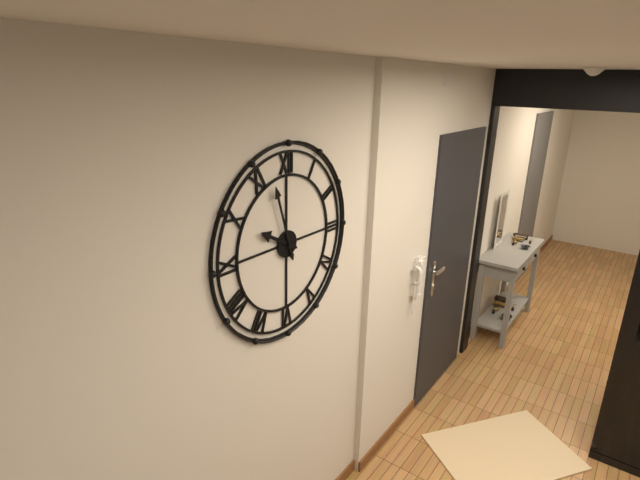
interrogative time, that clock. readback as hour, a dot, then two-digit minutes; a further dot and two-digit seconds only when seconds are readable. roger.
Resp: 9.57
